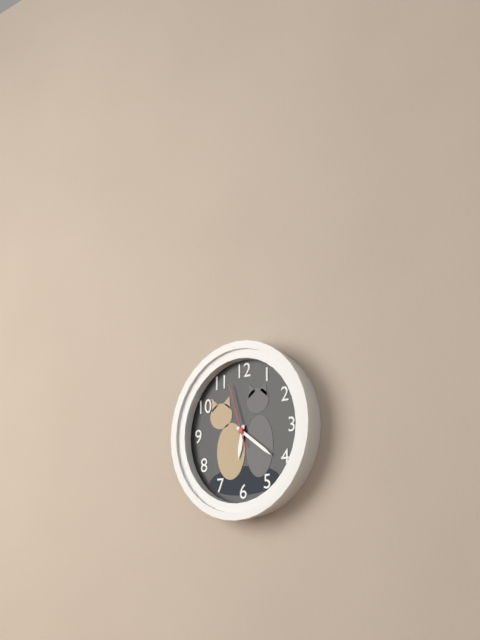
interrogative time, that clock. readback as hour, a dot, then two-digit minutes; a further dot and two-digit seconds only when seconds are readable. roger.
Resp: 6.21.57
